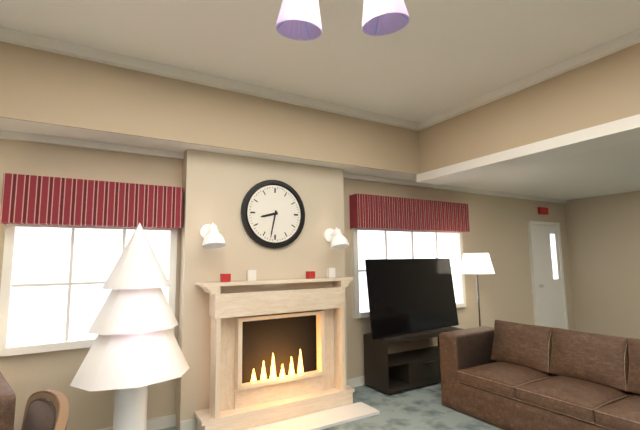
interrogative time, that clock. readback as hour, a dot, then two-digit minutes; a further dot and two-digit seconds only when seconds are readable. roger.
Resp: 8.32
